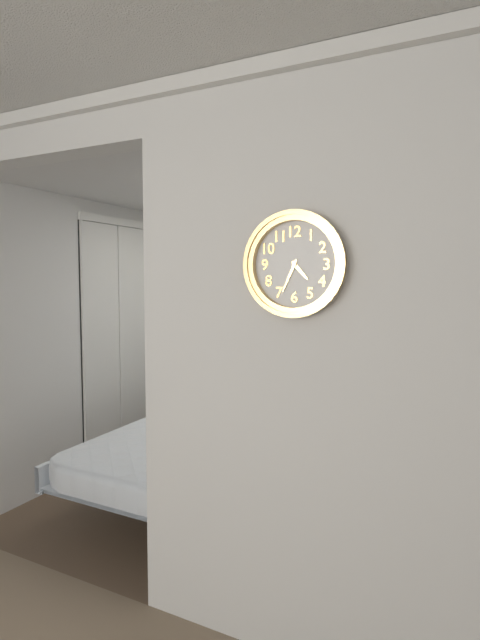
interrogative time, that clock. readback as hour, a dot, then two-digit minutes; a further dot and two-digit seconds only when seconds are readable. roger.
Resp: 4.34
